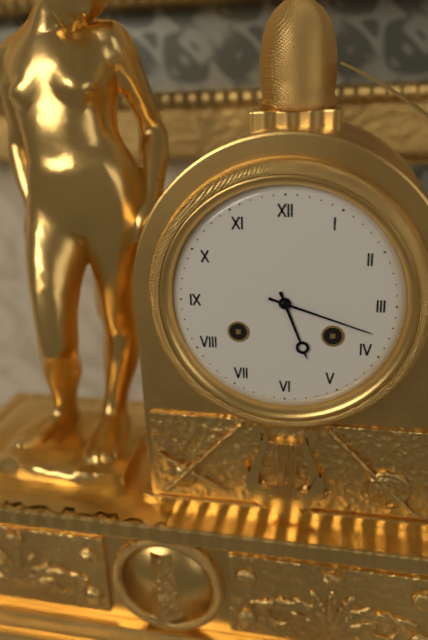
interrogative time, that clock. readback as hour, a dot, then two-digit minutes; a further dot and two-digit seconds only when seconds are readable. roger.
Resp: 5.18
